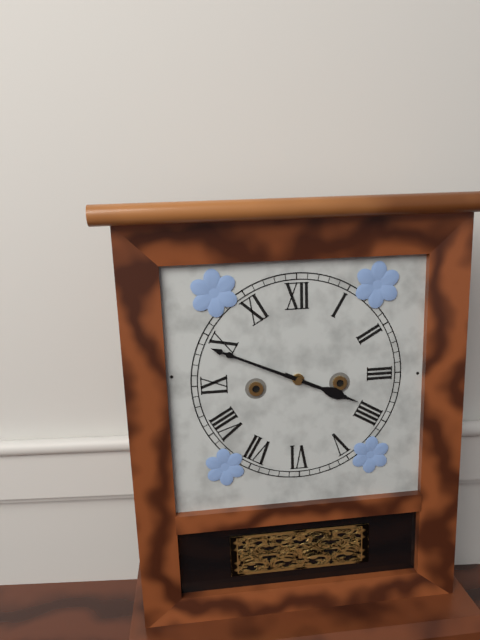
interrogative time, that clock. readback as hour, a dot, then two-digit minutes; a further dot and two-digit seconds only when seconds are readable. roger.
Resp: 3.49
